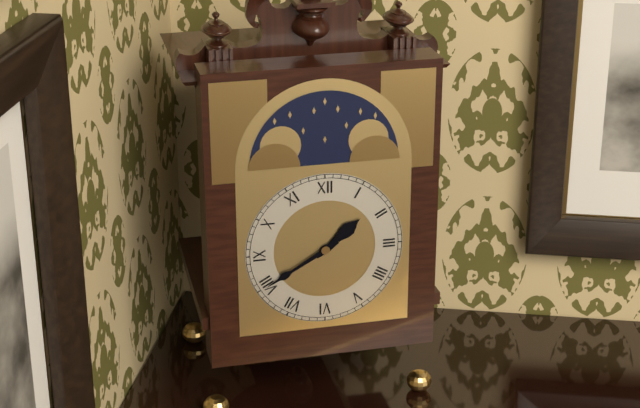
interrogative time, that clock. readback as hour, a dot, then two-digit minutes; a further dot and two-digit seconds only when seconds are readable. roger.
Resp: 1.40
